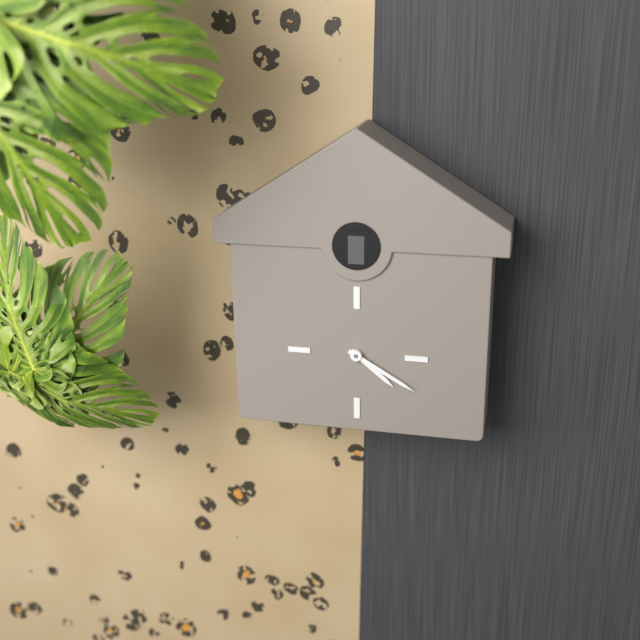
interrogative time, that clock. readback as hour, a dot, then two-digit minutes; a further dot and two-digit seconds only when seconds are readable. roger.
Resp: 4.20
